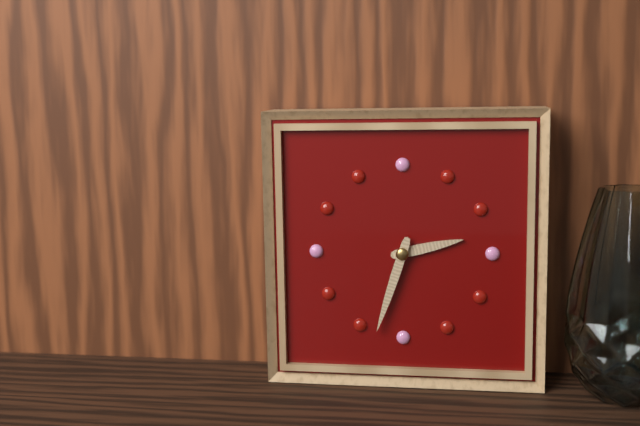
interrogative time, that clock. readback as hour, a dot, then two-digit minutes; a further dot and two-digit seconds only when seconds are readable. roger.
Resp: 2.33
